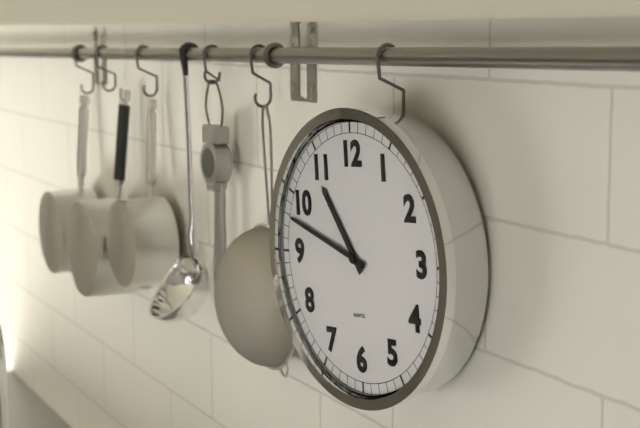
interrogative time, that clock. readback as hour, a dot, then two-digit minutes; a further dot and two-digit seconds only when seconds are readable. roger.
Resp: 10.48
